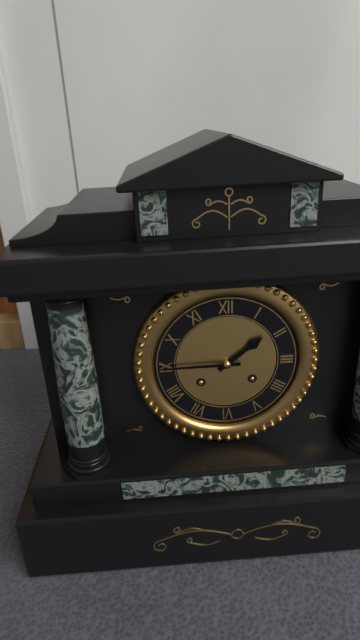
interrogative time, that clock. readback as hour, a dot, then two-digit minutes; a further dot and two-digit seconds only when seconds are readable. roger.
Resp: 1.45
